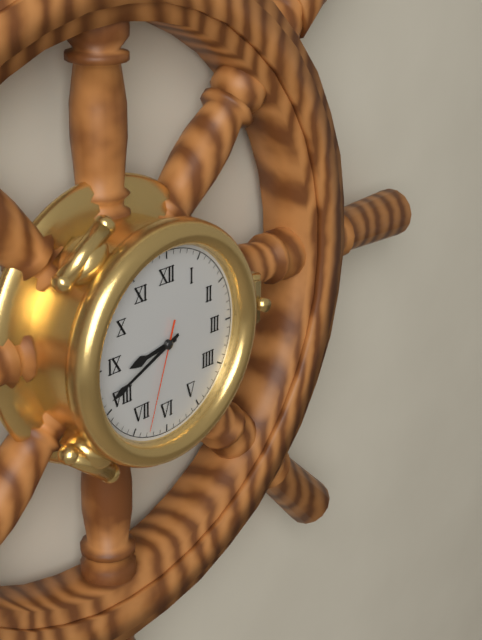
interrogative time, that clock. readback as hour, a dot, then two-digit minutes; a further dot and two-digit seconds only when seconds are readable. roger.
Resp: 8.41.33
